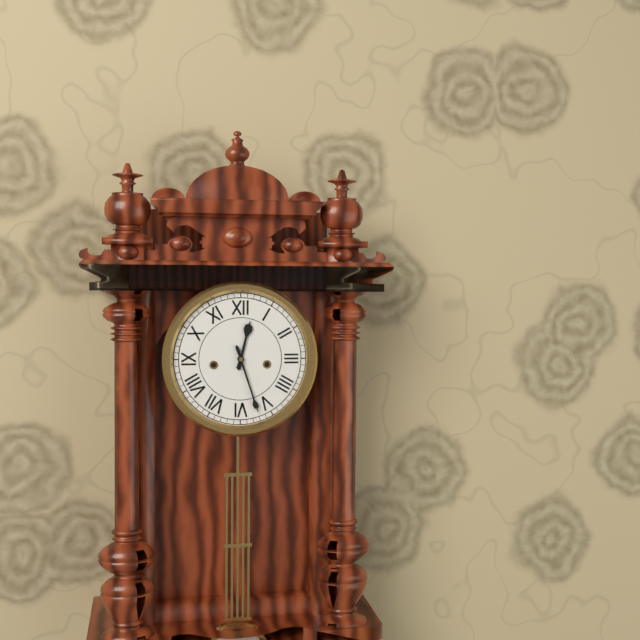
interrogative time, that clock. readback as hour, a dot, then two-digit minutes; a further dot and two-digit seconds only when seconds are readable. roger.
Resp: 12.27
